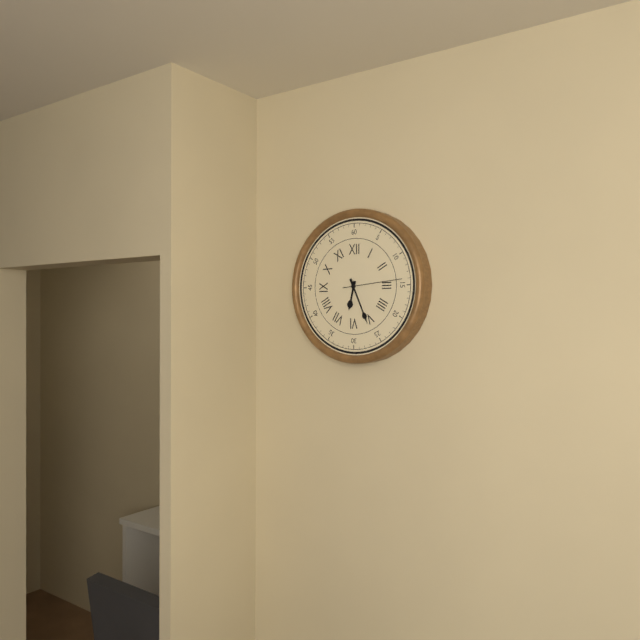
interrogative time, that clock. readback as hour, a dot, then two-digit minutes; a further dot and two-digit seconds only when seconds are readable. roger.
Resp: 6.26.14
